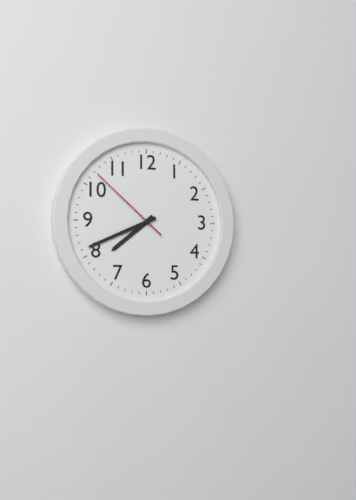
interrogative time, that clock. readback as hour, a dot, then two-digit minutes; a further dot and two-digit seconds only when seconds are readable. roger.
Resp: 7.41.52
